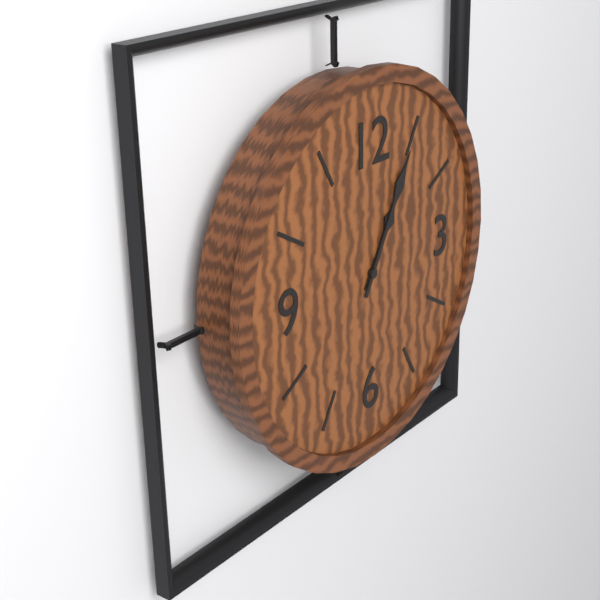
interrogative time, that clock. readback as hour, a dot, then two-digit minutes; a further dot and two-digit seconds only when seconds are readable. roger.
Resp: 1.05
